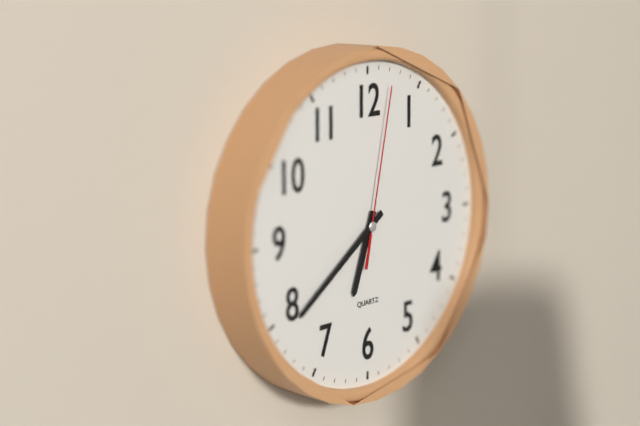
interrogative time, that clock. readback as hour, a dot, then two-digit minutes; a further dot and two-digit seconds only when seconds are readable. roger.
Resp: 6.39.02
